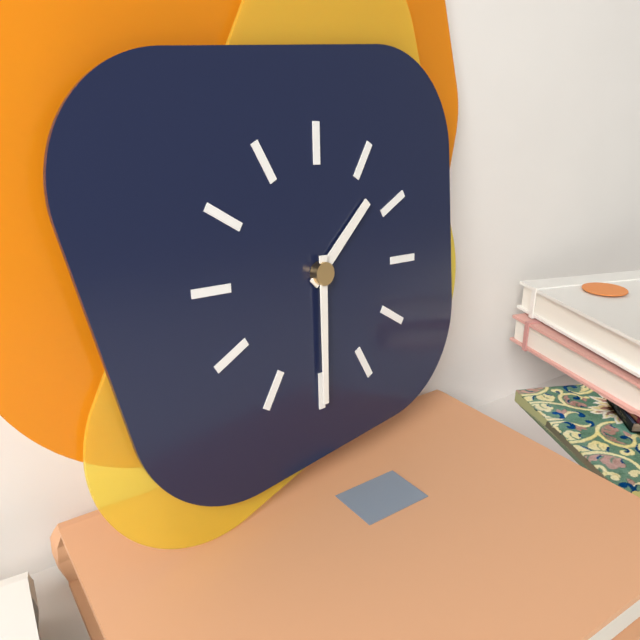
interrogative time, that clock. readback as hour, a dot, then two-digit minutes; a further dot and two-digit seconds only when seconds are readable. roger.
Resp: 1.30
